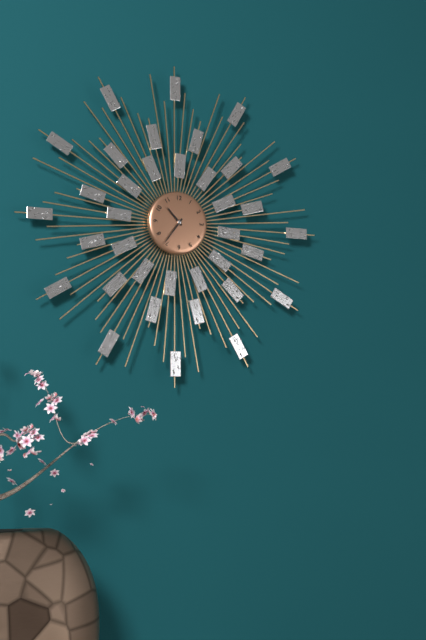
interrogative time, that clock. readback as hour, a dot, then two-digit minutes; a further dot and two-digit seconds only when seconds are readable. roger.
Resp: 10.36
